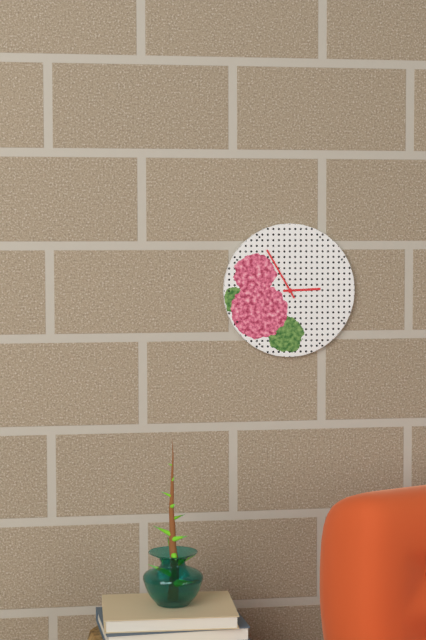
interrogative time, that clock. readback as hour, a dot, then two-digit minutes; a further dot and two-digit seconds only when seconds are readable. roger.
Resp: 2.55
